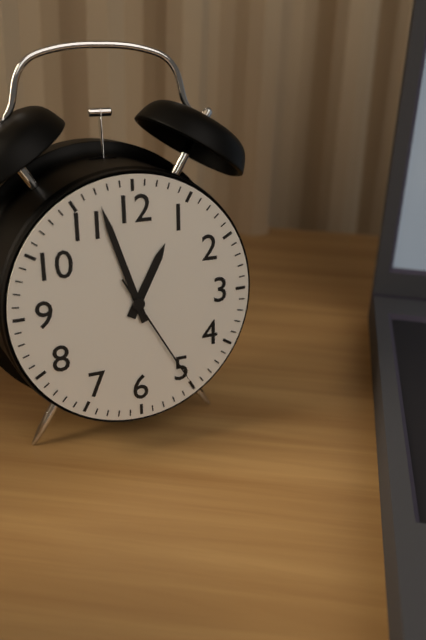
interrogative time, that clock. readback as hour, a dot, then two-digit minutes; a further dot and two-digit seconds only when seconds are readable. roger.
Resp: 12.57.25
